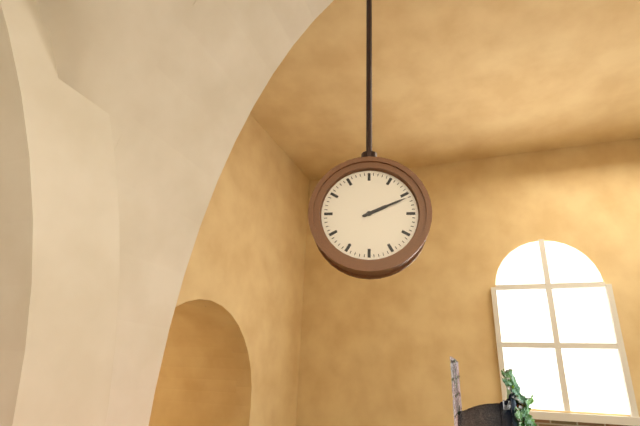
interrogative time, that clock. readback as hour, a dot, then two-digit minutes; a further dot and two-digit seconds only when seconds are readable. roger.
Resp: 2.11
